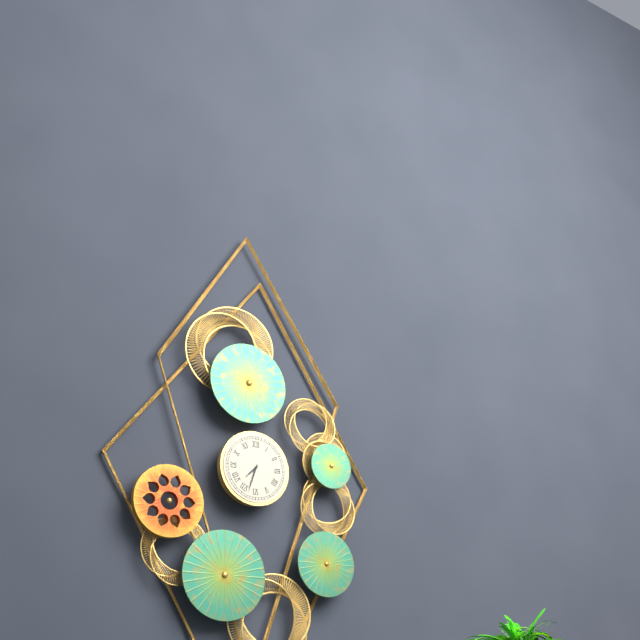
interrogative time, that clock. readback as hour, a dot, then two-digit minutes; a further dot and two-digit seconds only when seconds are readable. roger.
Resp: 7.33
